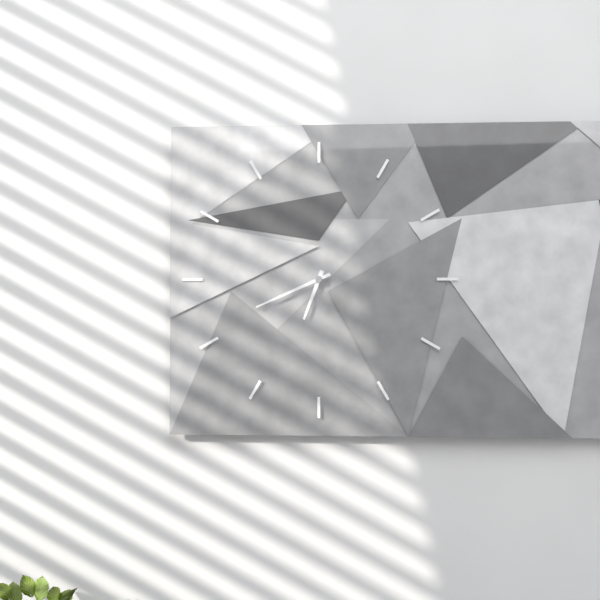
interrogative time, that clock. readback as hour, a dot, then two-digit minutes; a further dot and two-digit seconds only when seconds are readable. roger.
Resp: 6.41
